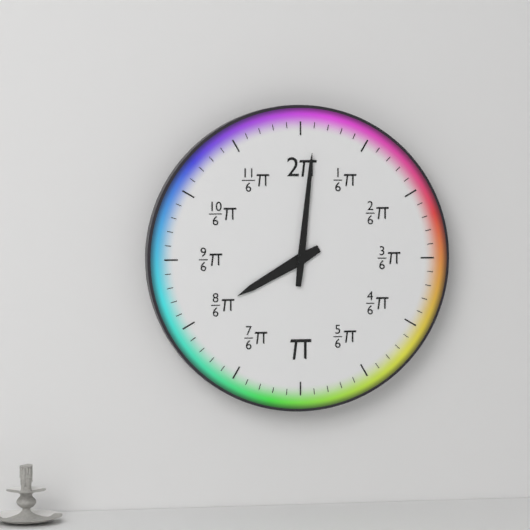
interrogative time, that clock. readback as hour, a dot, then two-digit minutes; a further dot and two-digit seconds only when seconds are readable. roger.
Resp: 8.01
